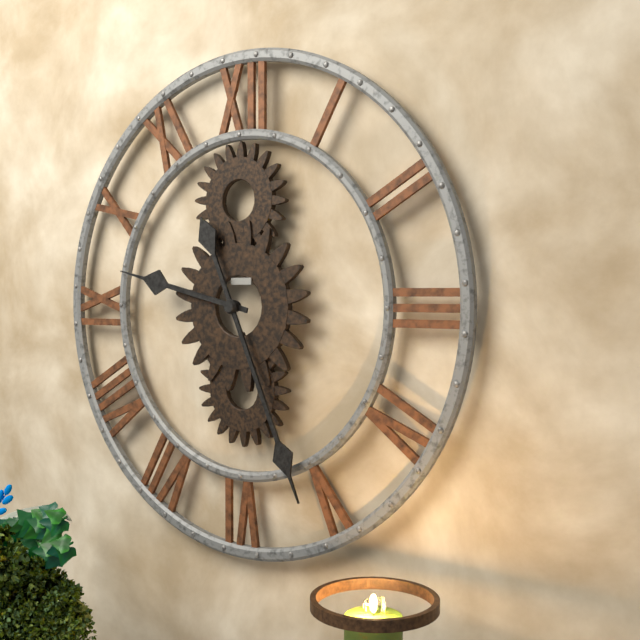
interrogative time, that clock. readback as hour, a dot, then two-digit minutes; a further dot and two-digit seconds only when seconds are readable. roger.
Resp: 9.26
